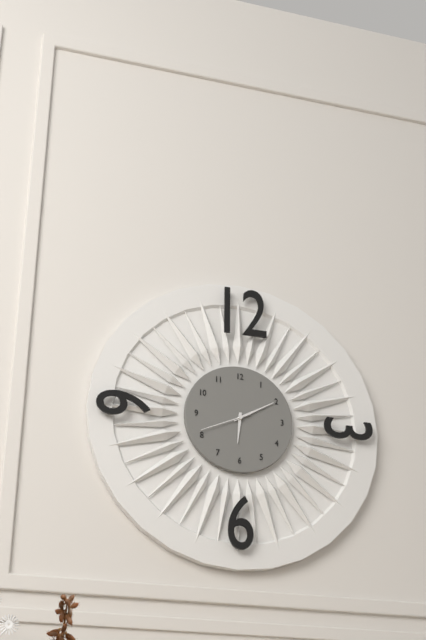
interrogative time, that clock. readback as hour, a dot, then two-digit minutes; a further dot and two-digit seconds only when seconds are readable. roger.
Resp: 6.10
